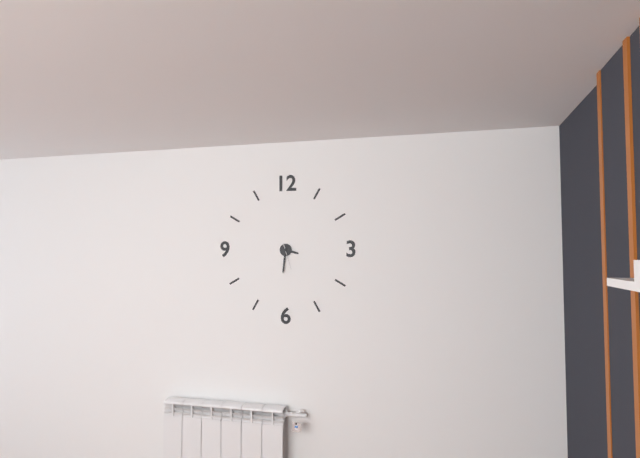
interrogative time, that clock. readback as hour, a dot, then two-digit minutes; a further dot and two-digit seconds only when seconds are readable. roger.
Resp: 3.31
